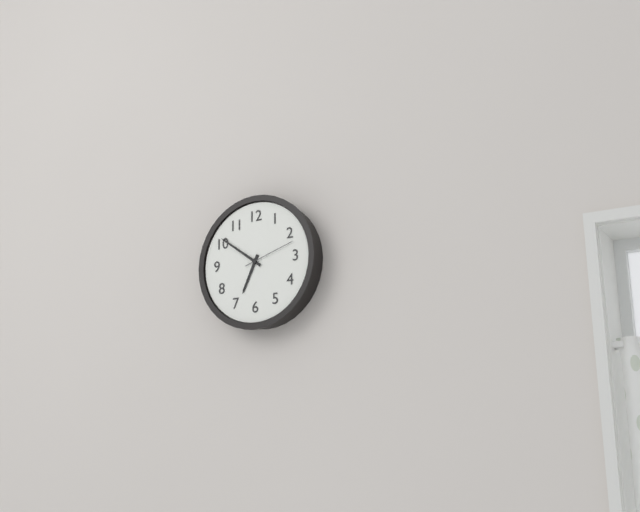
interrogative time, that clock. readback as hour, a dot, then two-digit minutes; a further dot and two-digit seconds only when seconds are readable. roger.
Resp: 6.51.12
